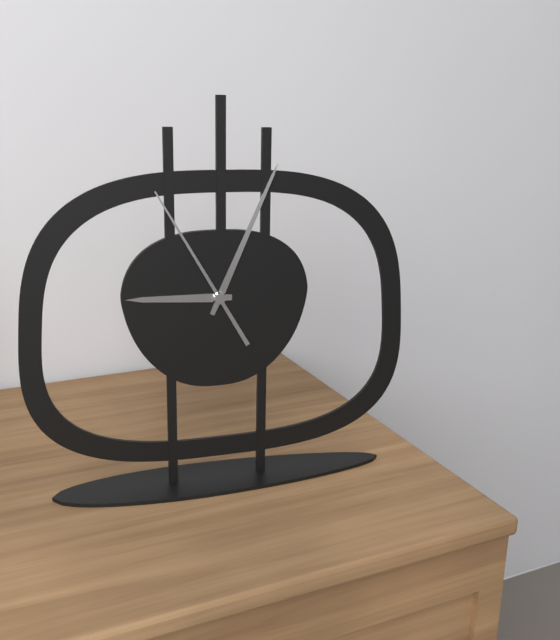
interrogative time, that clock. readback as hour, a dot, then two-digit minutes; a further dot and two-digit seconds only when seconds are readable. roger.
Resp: 9.04.55
